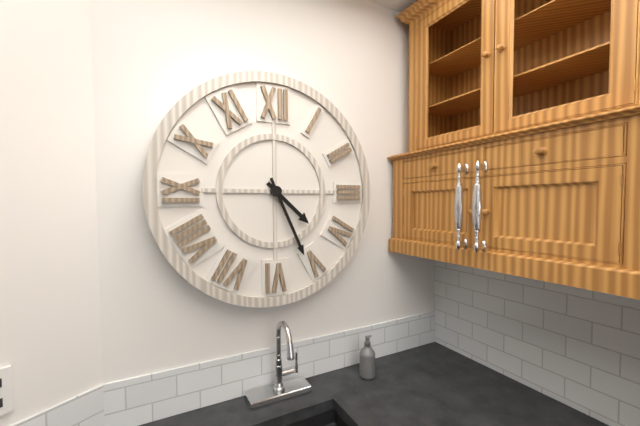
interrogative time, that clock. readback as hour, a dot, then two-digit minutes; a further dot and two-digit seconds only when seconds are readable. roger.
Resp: 4.26
